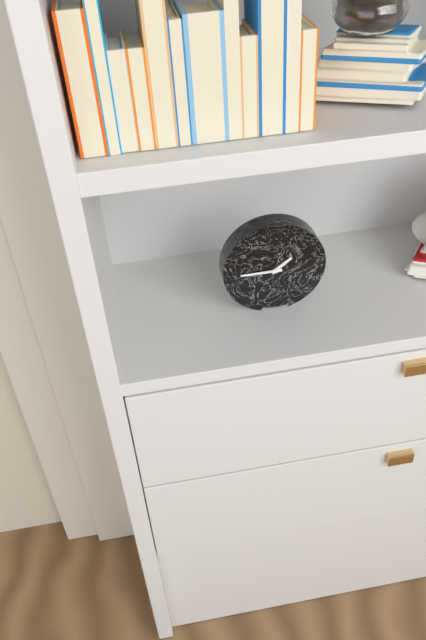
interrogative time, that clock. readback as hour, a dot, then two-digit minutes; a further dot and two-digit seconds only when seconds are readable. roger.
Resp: 1.45
